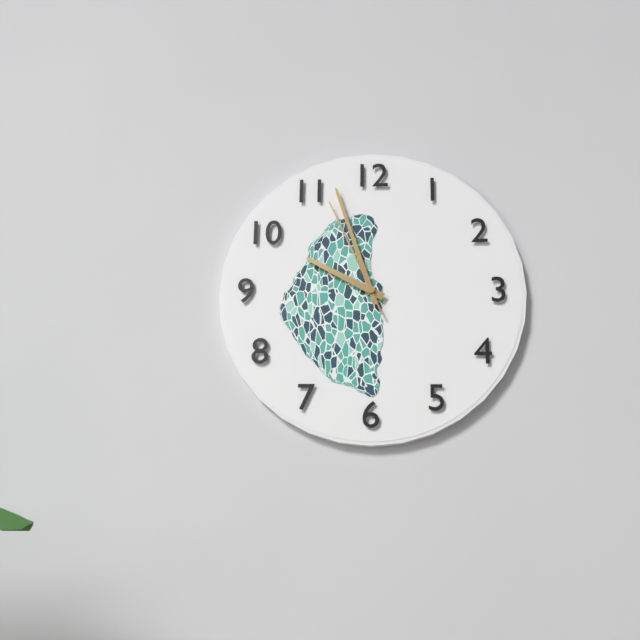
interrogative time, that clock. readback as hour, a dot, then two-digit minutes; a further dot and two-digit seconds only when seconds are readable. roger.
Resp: 9.57.56
